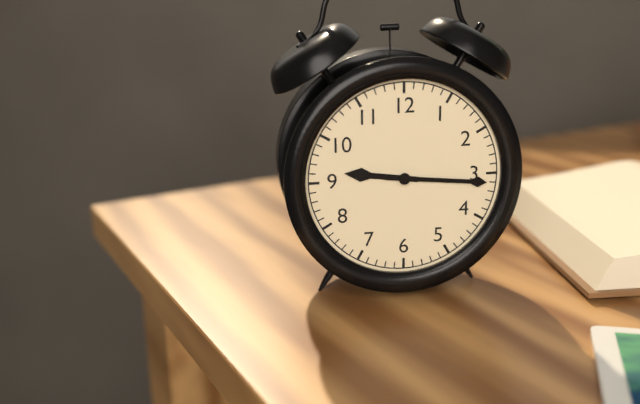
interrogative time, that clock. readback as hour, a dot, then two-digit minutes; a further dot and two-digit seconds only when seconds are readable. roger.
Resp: 9.16
